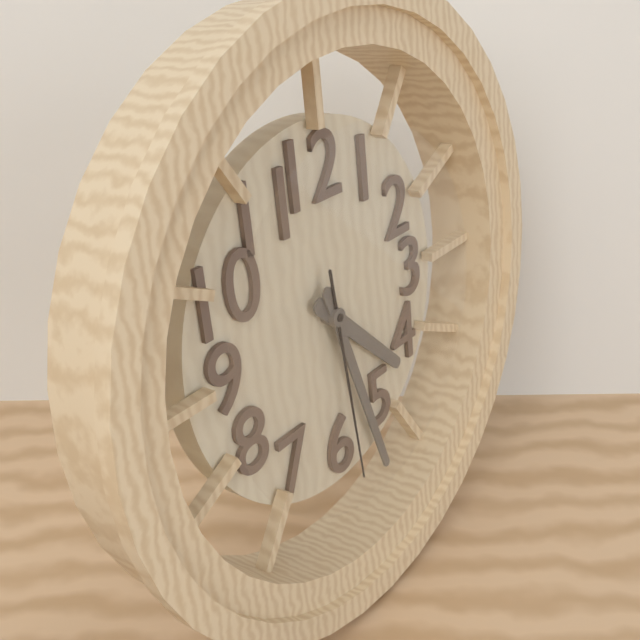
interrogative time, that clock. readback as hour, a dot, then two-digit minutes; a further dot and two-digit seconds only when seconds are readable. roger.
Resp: 4.27.29
